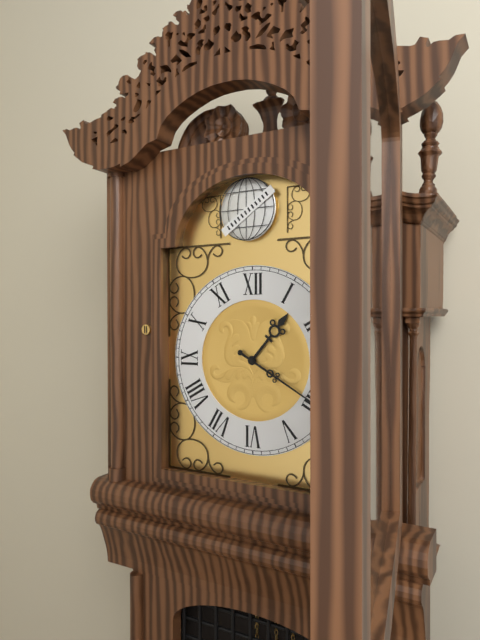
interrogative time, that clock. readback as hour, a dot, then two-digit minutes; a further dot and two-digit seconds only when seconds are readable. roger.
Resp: 1.20
